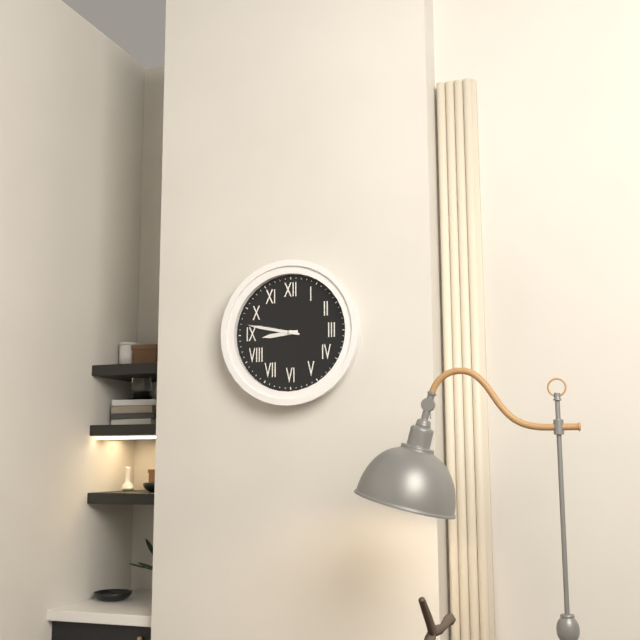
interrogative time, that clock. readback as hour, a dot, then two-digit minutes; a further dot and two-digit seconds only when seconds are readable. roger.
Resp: 8.47
